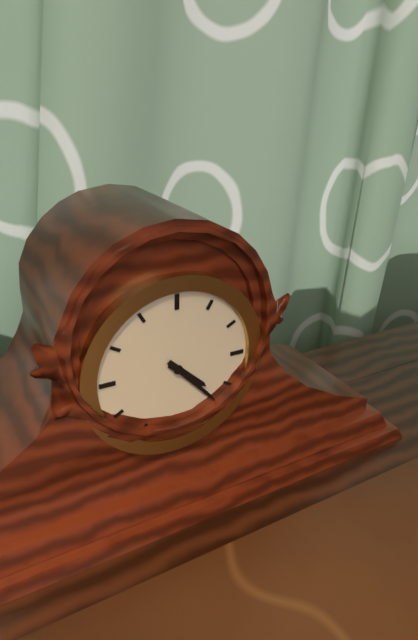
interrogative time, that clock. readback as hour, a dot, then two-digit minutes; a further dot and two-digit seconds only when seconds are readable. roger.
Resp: 4.23
